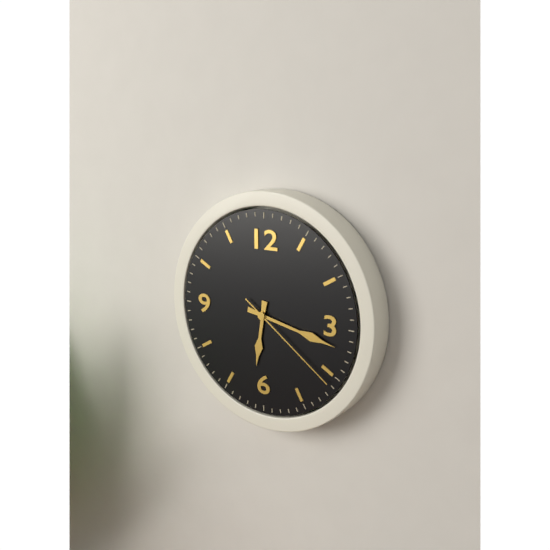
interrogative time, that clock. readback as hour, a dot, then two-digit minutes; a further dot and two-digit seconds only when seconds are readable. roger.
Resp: 6.17.21
